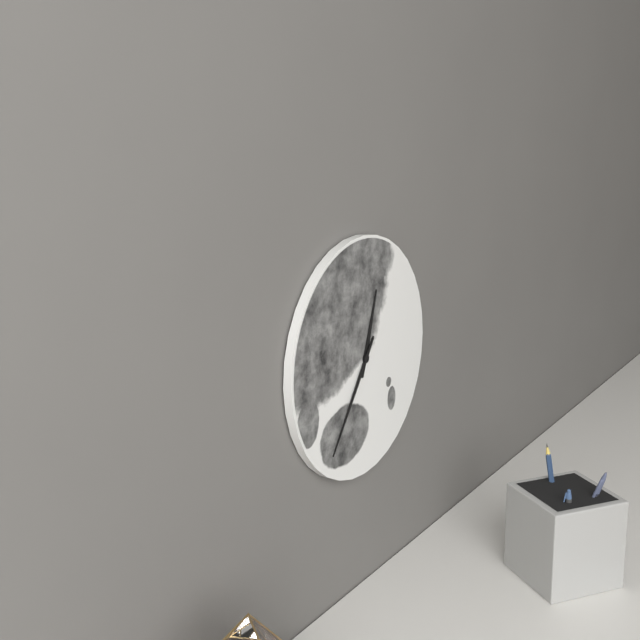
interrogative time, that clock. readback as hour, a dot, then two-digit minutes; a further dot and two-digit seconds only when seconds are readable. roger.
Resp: 12.36
